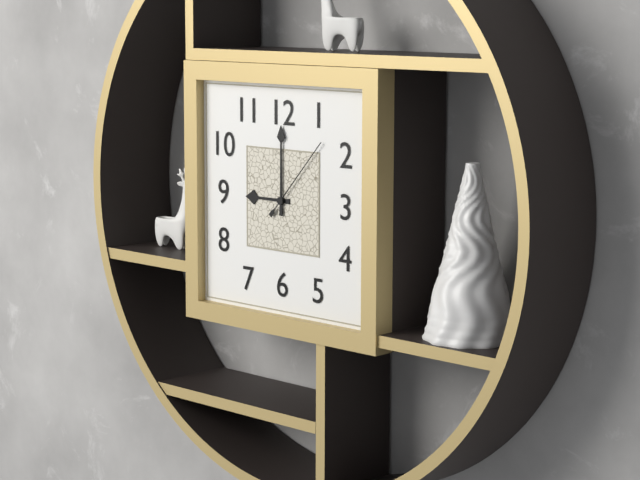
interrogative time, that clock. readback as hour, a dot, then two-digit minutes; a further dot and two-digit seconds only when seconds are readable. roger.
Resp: 9.00.07
